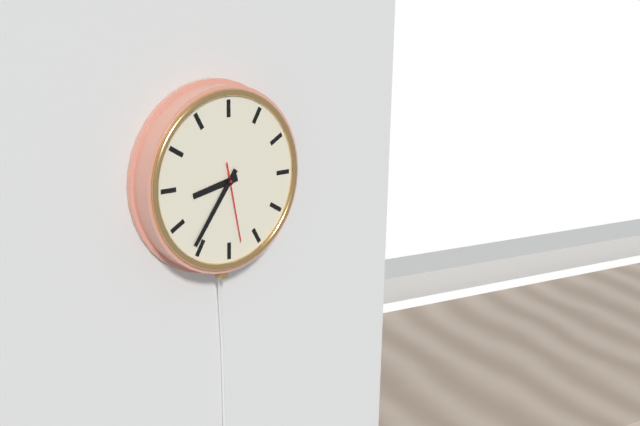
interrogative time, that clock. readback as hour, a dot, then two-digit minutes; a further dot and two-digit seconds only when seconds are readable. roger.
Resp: 8.36.28
